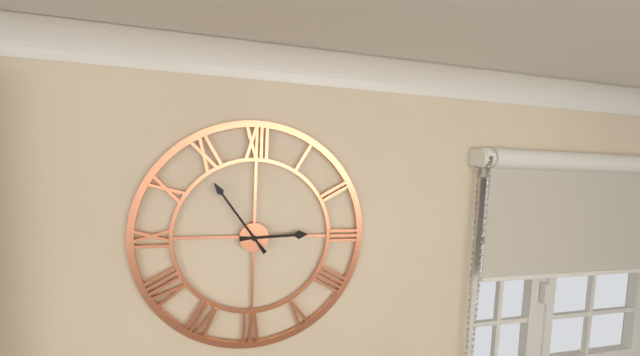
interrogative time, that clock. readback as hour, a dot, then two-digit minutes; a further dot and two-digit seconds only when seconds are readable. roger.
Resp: 2.54
